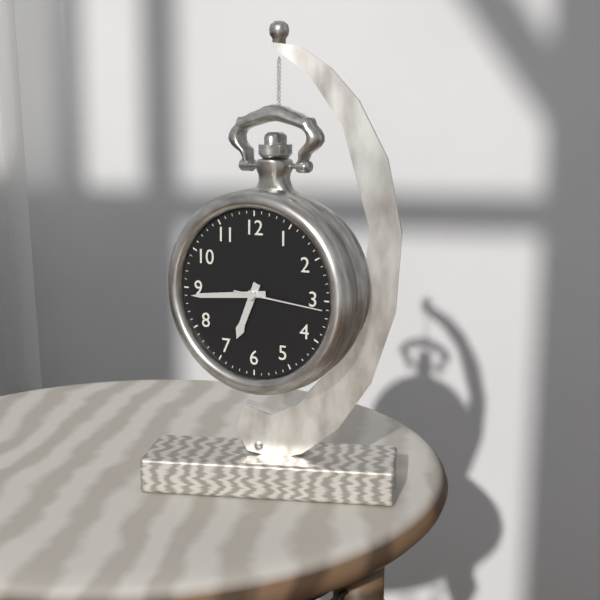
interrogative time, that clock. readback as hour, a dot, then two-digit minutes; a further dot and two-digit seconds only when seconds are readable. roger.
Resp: 6.44.16
